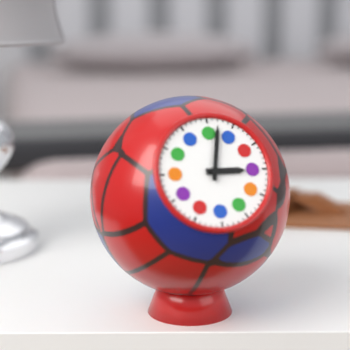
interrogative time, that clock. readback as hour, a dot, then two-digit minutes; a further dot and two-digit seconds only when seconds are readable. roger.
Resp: 3.02
